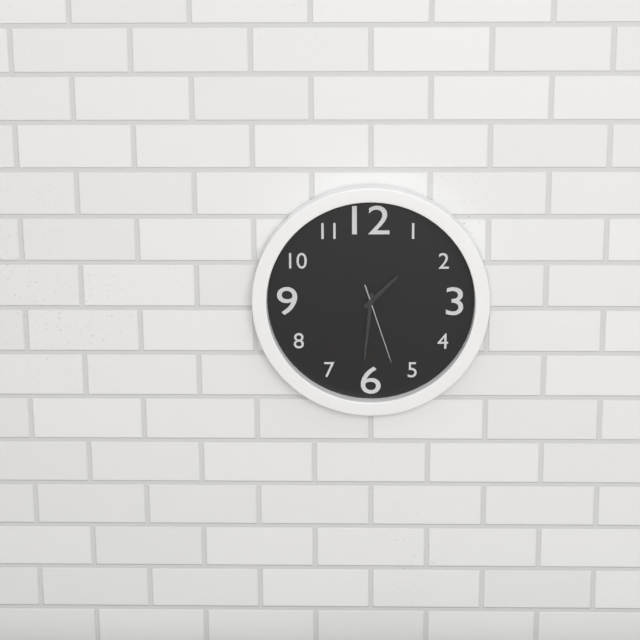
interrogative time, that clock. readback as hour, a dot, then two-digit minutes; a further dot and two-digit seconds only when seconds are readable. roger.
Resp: 1.31.27
